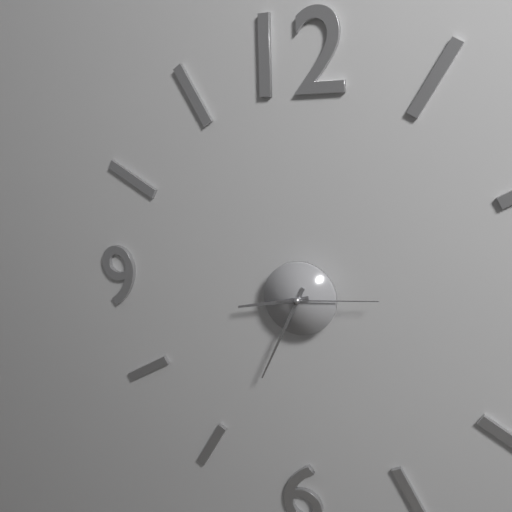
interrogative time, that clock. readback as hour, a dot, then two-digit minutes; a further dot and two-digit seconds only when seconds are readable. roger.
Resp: 8.34.14
